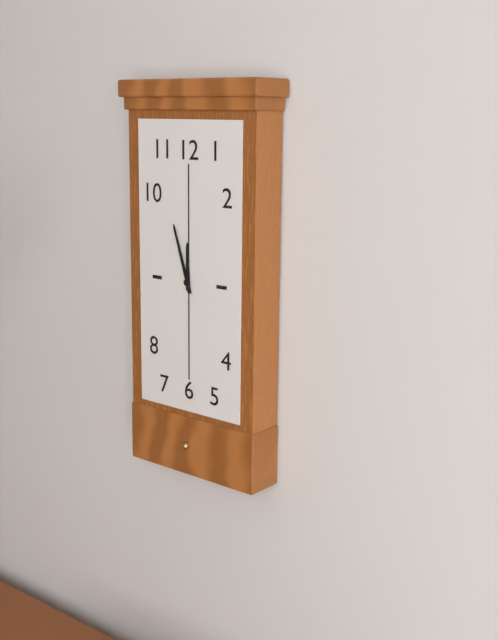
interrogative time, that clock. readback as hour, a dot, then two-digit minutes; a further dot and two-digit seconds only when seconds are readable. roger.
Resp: 11.57
